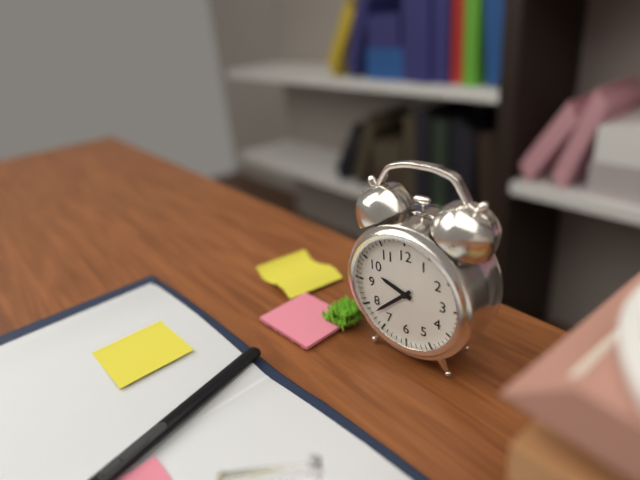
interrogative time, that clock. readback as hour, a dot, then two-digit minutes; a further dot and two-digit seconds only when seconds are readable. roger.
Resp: 9.38
